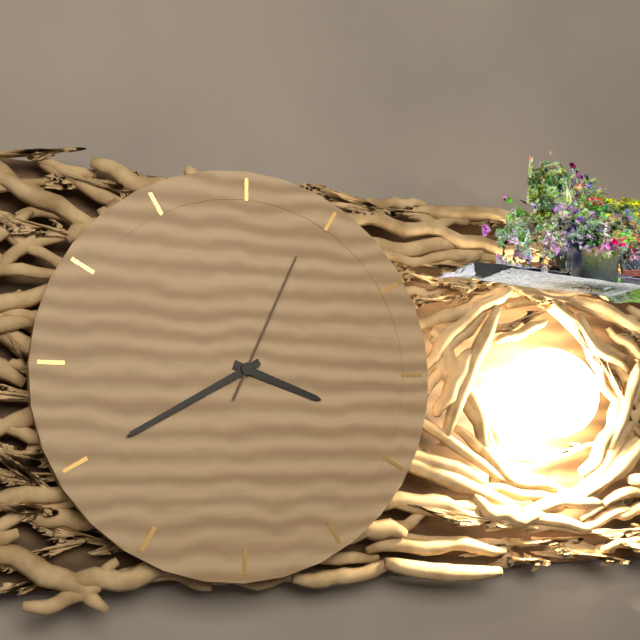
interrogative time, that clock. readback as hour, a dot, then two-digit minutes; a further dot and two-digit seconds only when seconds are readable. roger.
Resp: 3.40.04
